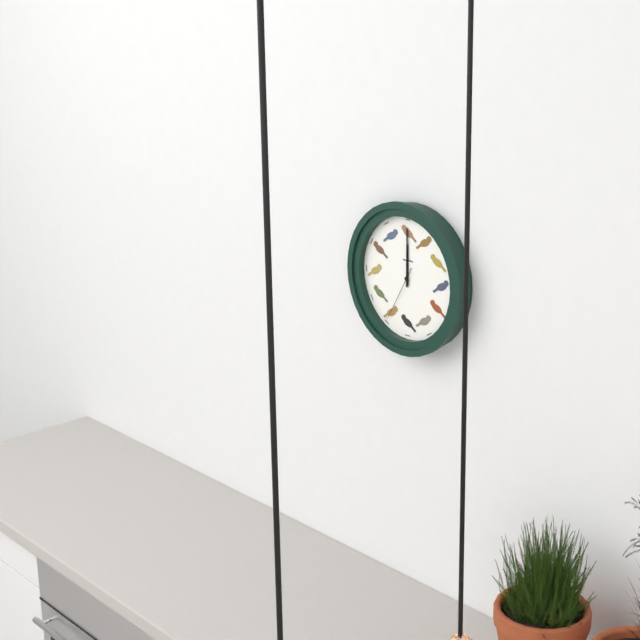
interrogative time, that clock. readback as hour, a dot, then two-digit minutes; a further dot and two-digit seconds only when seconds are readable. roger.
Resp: 12.00.35
